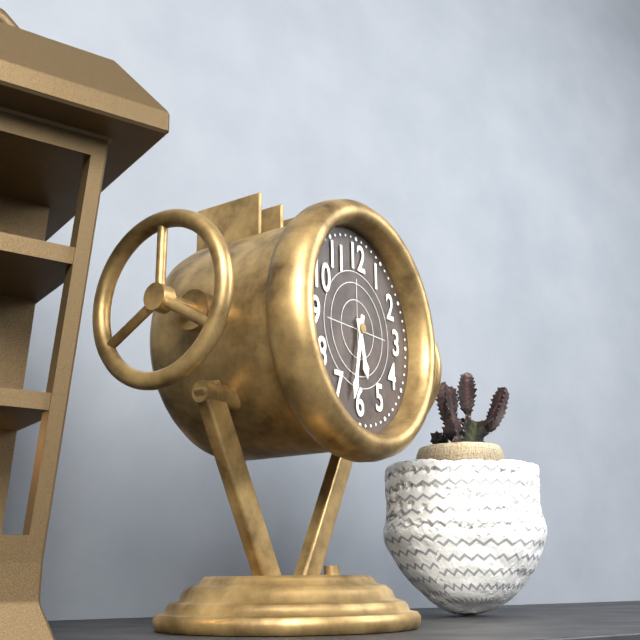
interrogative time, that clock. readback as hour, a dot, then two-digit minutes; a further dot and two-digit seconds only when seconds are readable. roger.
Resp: 5.32
